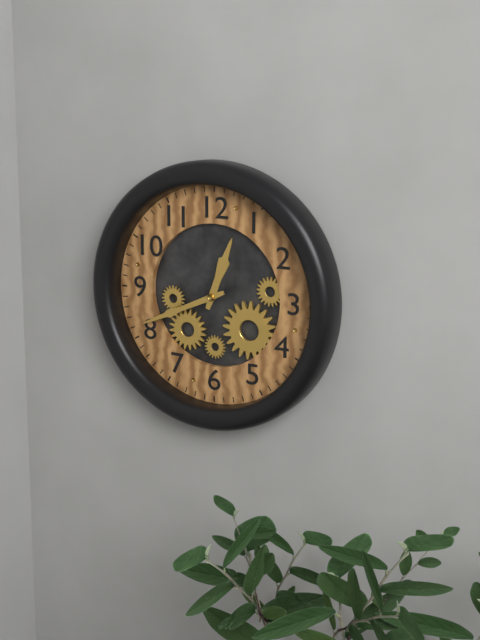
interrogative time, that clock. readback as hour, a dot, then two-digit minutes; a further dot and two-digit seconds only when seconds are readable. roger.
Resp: 12.41
